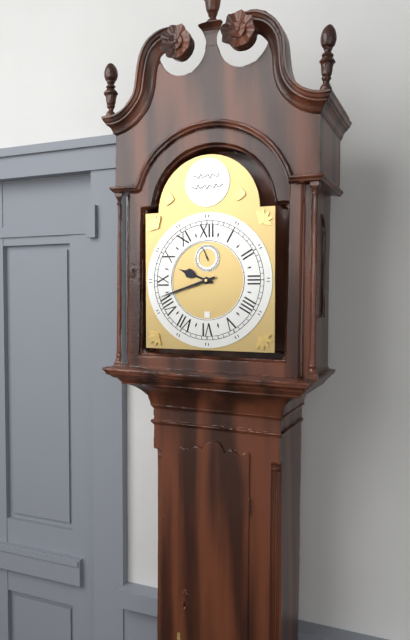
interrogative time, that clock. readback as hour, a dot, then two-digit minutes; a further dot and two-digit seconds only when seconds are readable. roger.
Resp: 9.42
